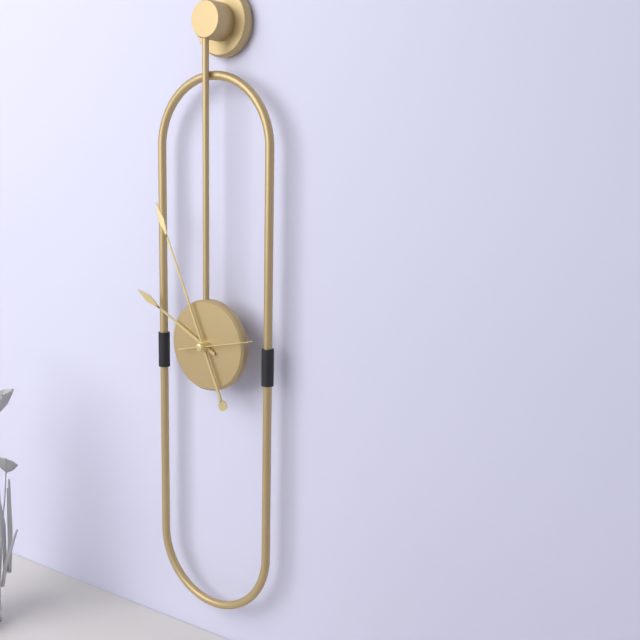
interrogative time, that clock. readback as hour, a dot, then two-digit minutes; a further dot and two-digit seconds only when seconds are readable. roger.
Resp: 9.56
